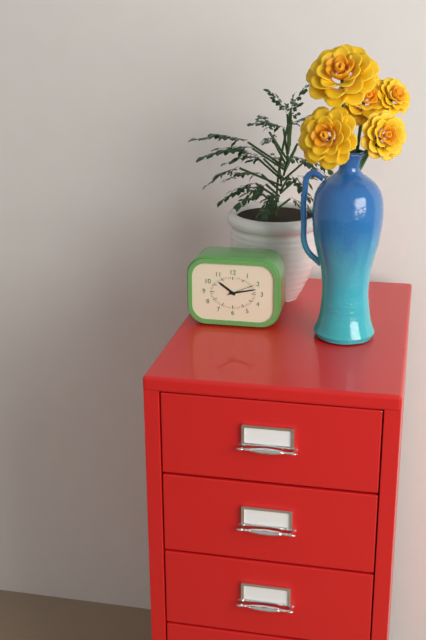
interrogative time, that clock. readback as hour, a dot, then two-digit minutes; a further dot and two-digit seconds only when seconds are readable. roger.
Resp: 10.13
